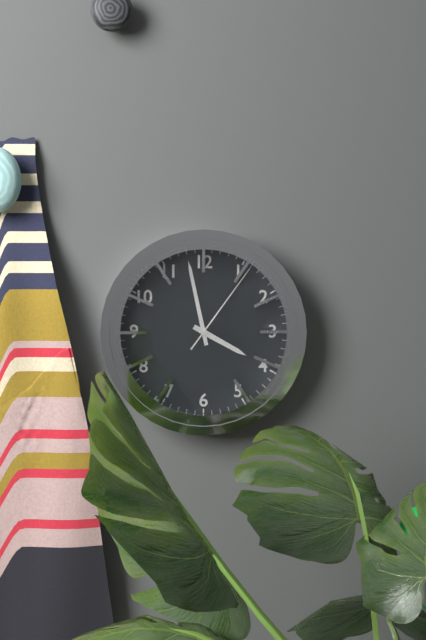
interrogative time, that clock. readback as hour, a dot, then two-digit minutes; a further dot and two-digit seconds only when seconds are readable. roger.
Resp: 3.58.06
